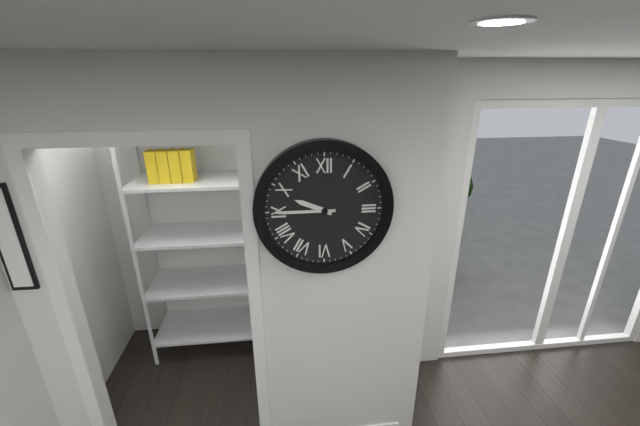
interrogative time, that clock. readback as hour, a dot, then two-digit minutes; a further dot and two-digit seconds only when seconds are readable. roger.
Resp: 9.45
